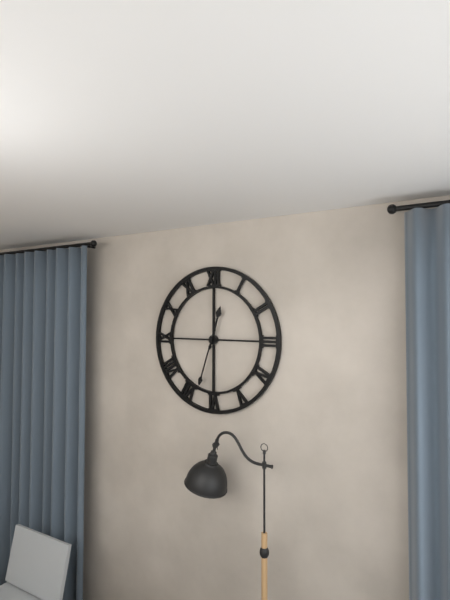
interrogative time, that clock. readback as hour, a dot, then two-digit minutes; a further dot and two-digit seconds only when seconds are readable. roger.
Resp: 12.33
